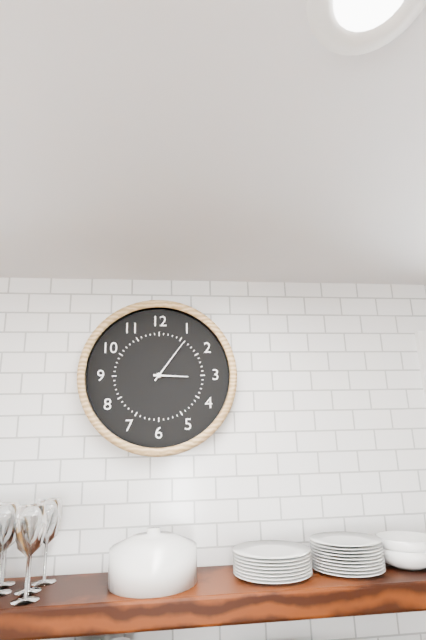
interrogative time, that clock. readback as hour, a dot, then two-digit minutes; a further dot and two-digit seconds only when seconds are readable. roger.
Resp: 3.06
